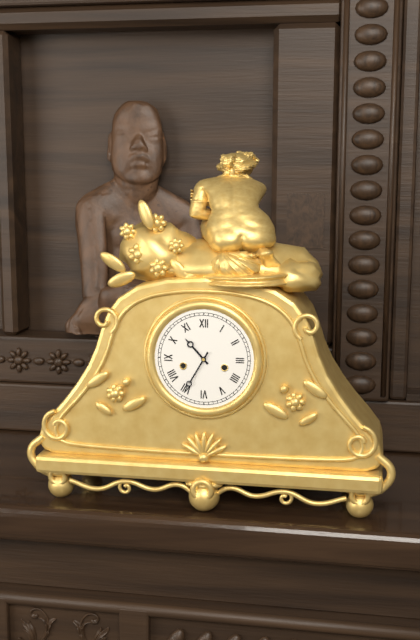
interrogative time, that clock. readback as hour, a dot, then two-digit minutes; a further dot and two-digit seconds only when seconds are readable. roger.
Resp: 10.35
